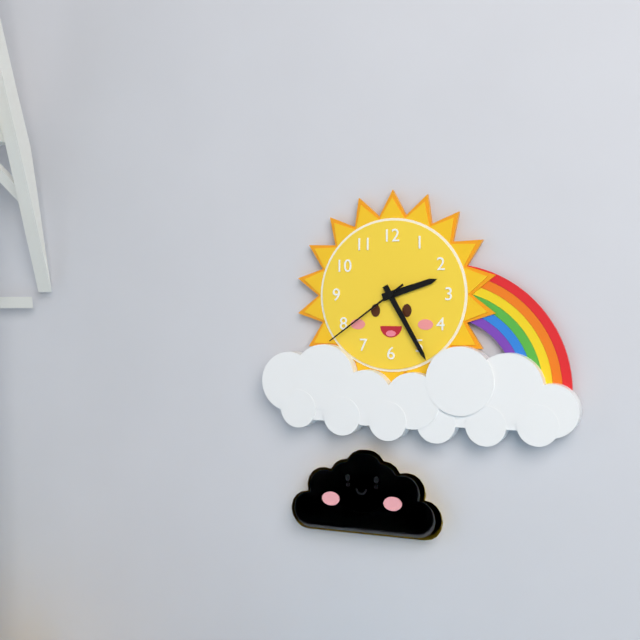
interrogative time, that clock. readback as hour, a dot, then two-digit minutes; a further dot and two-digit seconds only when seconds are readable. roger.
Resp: 2.25.39
